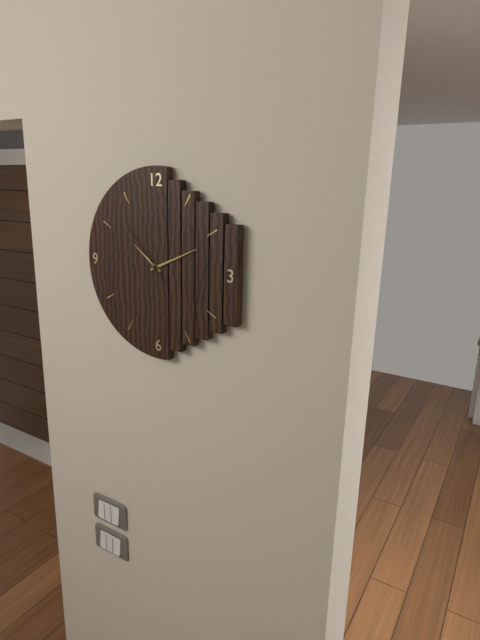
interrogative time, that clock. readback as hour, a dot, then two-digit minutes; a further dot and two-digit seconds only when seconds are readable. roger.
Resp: 10.11.53
